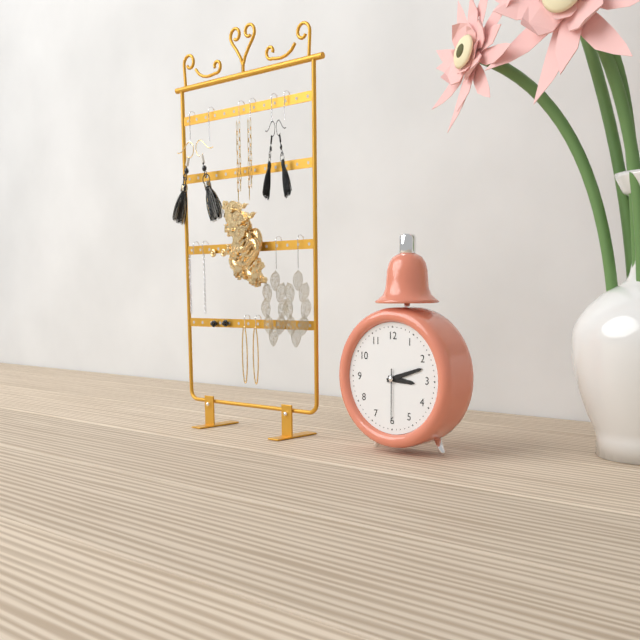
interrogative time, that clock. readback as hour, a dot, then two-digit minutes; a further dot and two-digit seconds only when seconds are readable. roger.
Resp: 3.12.30
